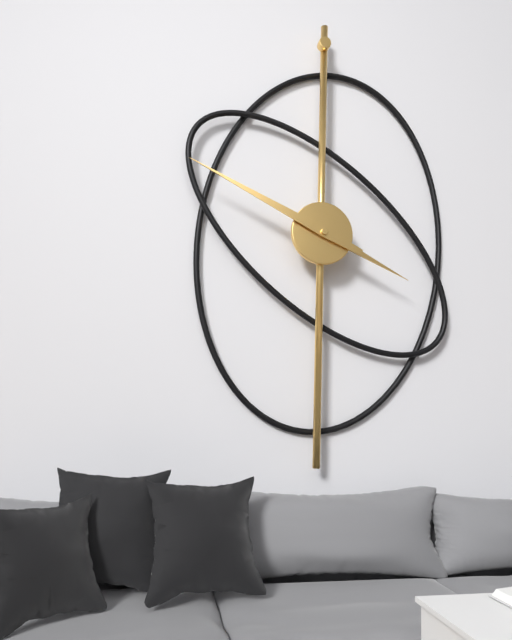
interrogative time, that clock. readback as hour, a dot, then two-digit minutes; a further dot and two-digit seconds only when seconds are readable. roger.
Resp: 3.49
